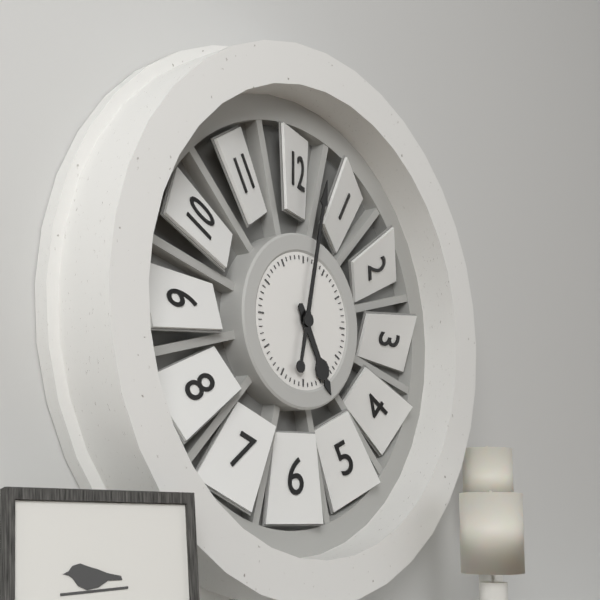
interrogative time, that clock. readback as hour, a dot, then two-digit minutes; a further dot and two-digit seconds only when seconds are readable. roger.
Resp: 5.02
